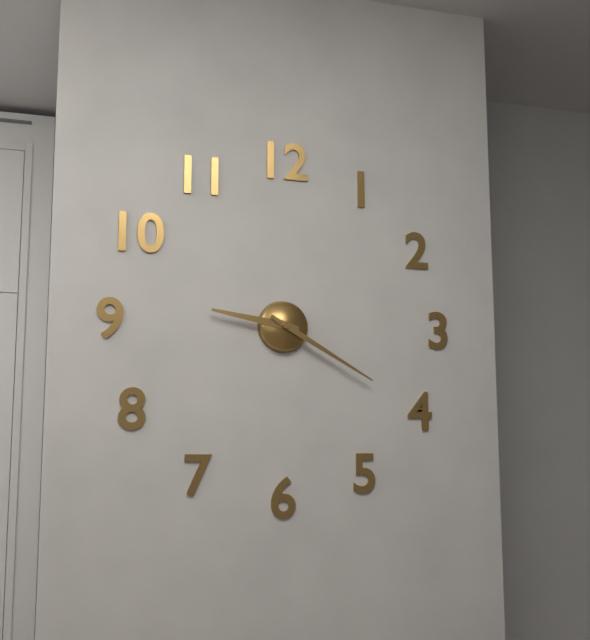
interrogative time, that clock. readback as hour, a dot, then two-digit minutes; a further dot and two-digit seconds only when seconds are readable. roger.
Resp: 9.20
